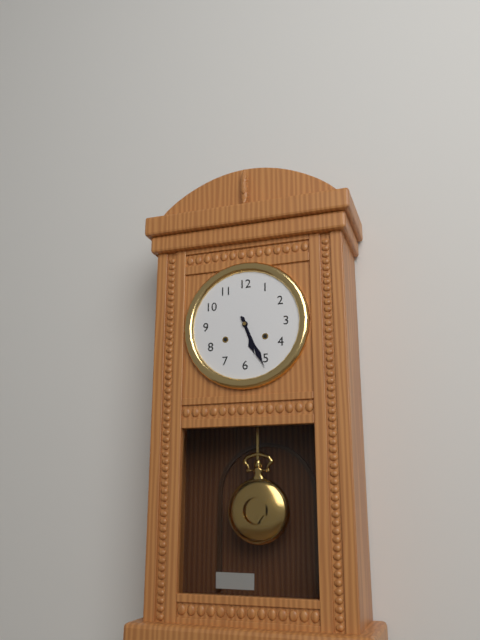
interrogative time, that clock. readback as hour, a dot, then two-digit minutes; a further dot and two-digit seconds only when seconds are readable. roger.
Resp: 5.26
